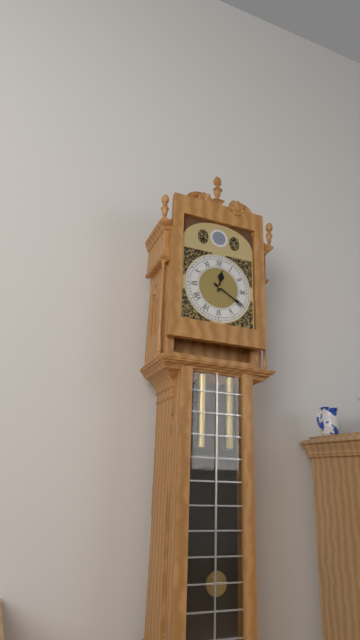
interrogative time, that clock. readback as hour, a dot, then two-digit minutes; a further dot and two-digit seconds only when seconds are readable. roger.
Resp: 12.20
